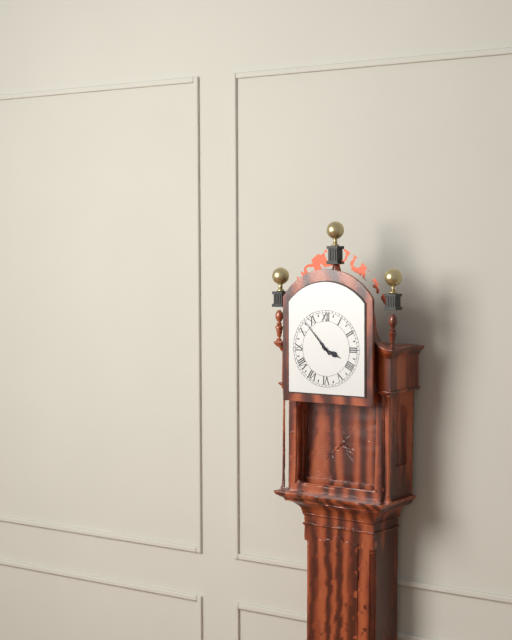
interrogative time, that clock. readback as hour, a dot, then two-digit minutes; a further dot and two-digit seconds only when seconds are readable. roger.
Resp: 3.53
